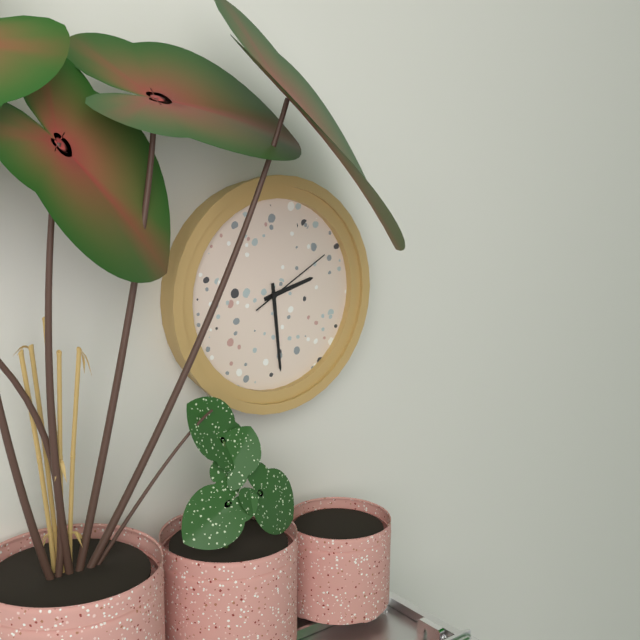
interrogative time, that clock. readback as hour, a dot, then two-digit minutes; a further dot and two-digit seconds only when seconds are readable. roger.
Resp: 2.29.10
